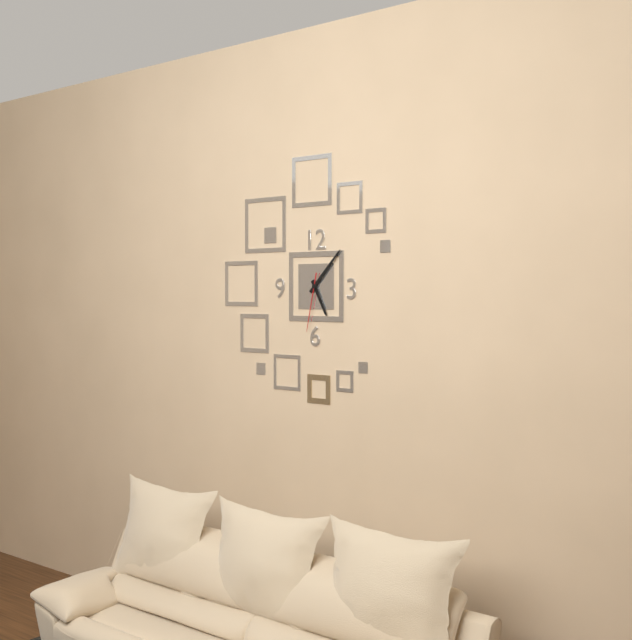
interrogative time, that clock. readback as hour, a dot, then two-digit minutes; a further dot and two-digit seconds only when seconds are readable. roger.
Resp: 5.07.32
